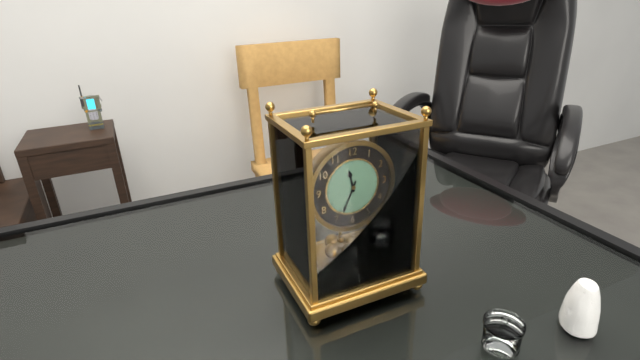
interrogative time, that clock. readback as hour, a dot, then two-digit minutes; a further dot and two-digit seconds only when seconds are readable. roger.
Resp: 11.34
